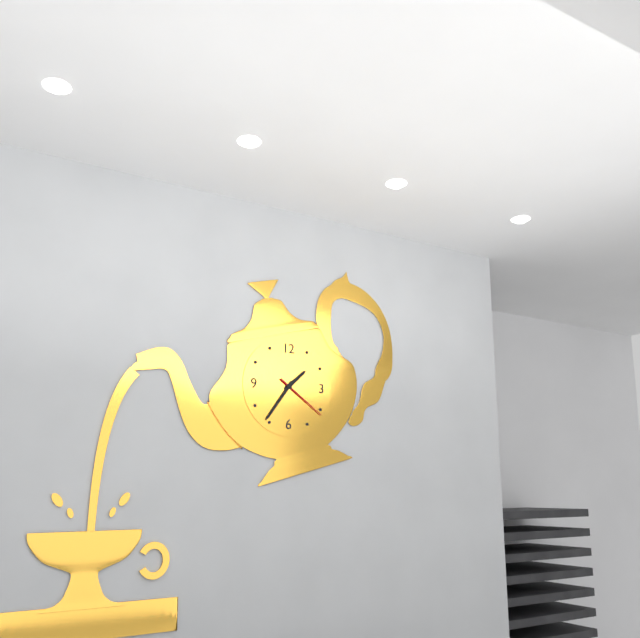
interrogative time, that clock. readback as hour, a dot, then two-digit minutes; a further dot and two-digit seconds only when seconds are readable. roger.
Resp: 1.36.21
